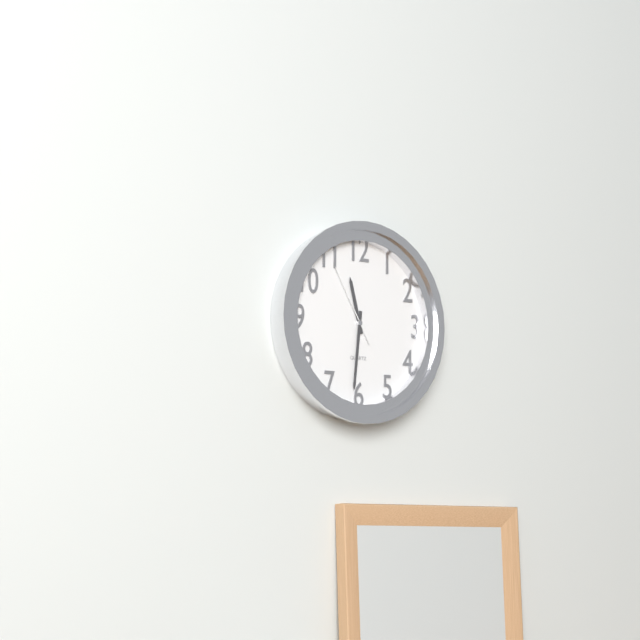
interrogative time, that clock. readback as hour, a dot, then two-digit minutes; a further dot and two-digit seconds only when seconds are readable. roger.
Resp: 11.31.55
